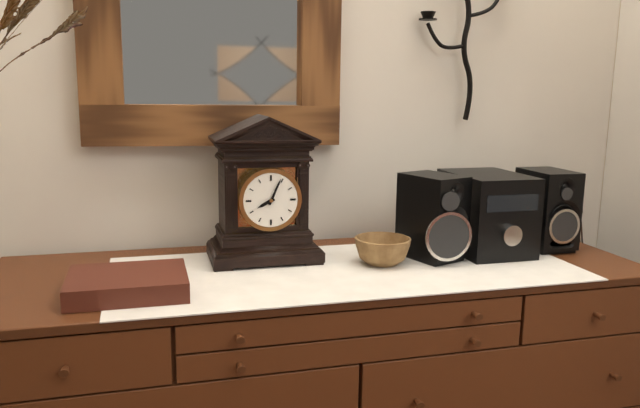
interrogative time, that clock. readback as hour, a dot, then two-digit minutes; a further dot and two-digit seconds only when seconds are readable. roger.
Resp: 8.04
